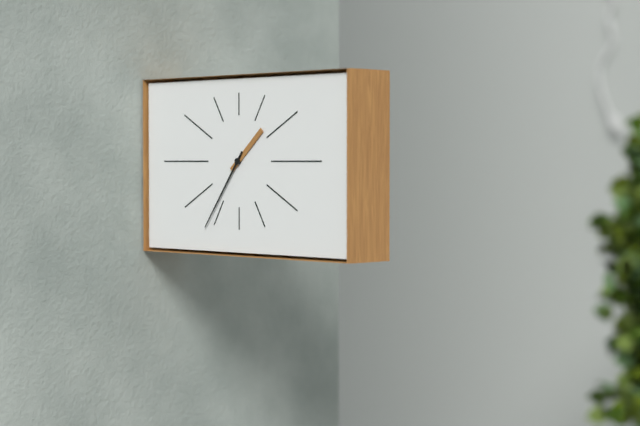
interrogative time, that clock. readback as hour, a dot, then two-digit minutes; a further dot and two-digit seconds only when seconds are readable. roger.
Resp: 1.36
